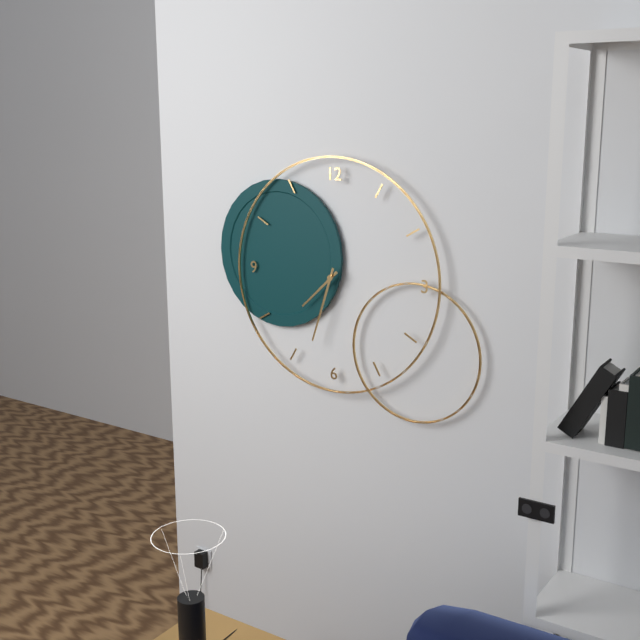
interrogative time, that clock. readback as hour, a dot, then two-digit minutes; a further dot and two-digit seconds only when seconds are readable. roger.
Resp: 7.33
